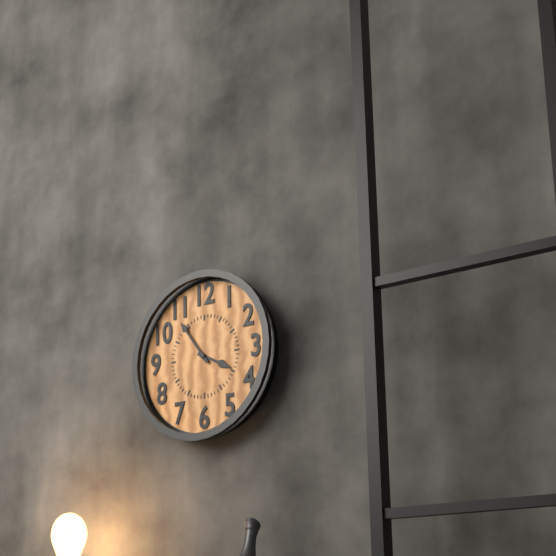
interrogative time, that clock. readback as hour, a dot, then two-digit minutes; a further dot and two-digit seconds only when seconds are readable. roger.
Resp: 3.54
